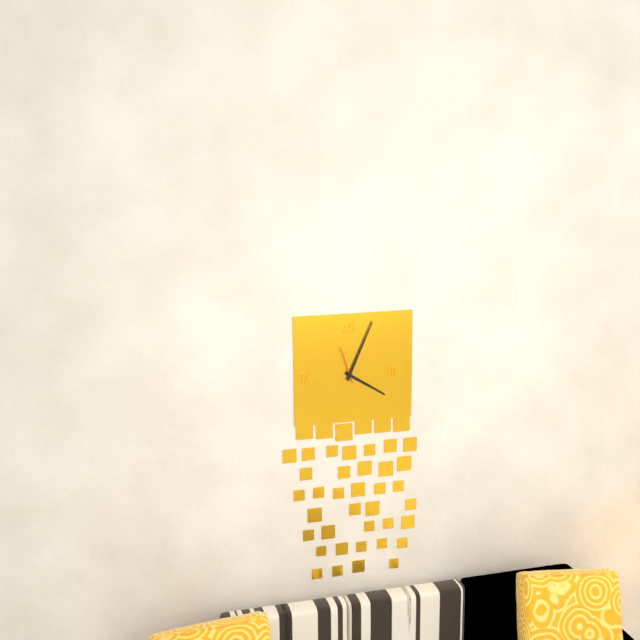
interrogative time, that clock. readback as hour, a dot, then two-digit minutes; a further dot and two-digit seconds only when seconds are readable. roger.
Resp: 4.04
